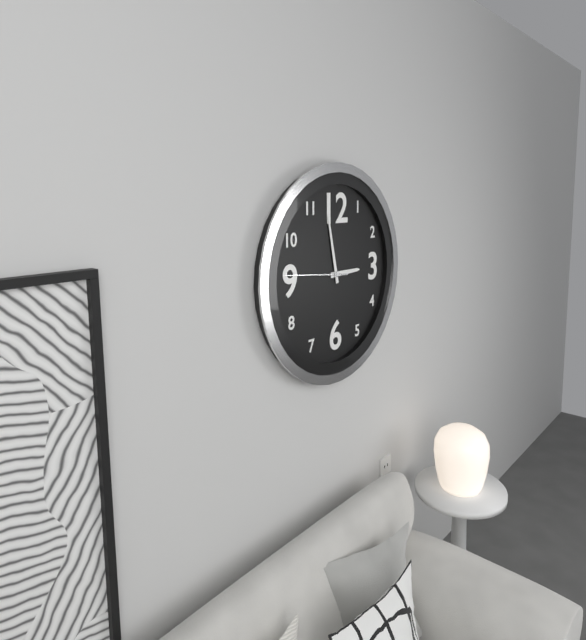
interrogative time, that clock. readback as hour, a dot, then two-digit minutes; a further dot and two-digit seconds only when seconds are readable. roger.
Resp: 2.58.46
